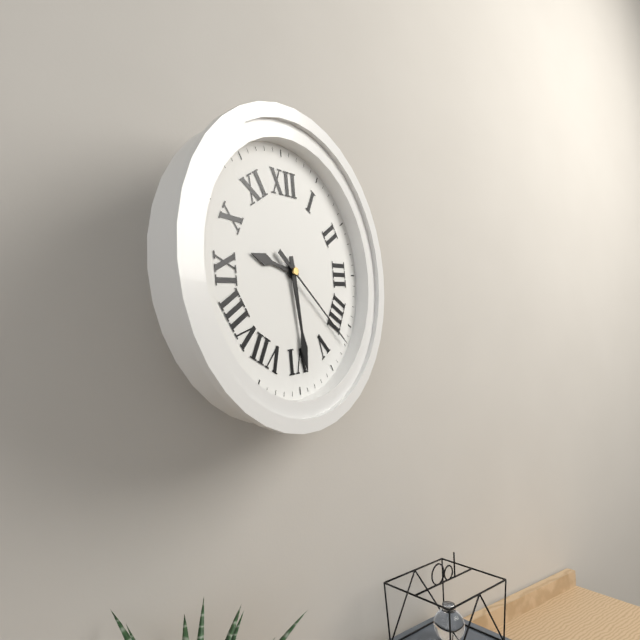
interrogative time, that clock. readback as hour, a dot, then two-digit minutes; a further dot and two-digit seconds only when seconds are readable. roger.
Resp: 9.29.22
